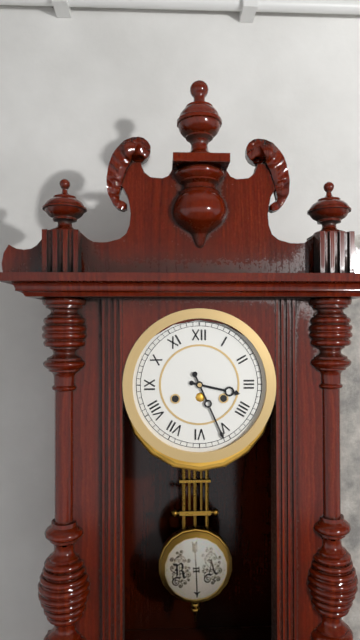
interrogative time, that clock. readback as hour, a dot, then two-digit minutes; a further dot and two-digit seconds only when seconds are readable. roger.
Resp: 3.26
